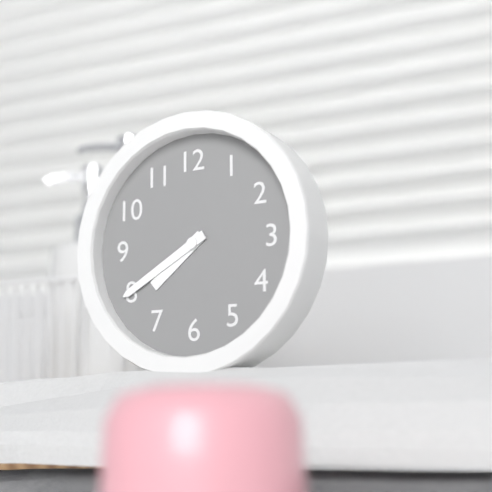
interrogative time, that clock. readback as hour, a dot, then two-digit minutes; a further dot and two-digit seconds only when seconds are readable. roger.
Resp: 7.40
